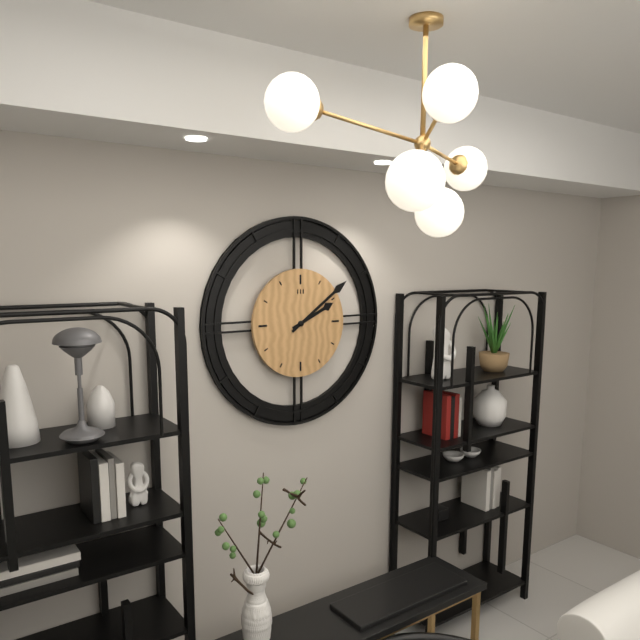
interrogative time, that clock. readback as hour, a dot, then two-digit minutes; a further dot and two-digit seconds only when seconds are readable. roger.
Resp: 2.09
